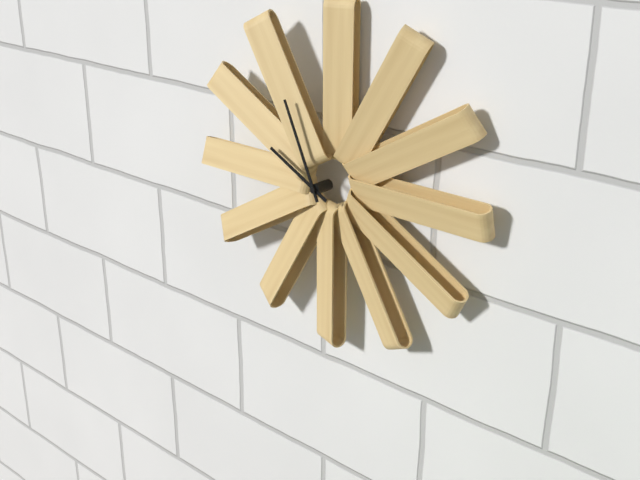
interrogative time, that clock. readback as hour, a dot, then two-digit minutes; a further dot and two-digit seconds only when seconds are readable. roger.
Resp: 9.56
